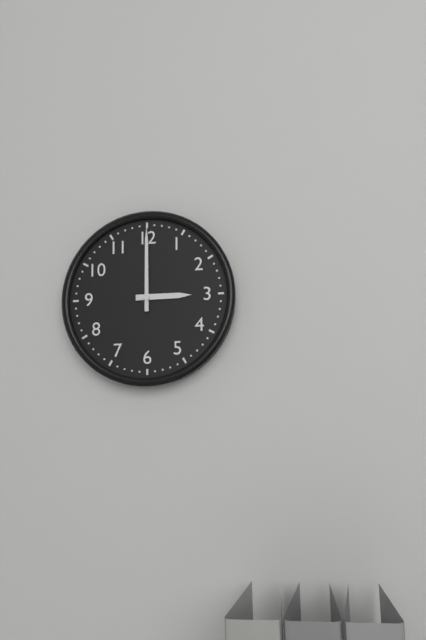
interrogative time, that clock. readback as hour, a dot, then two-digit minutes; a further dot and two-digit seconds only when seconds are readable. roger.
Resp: 3.00
